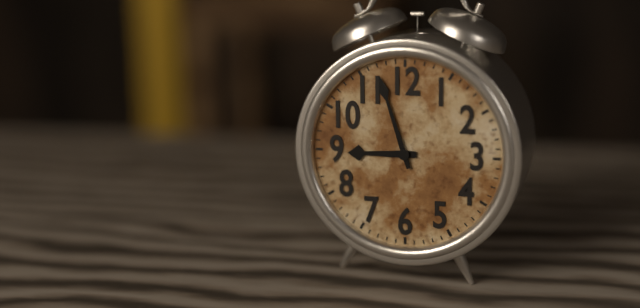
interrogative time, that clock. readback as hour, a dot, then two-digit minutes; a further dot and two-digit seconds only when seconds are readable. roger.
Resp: 8.57
